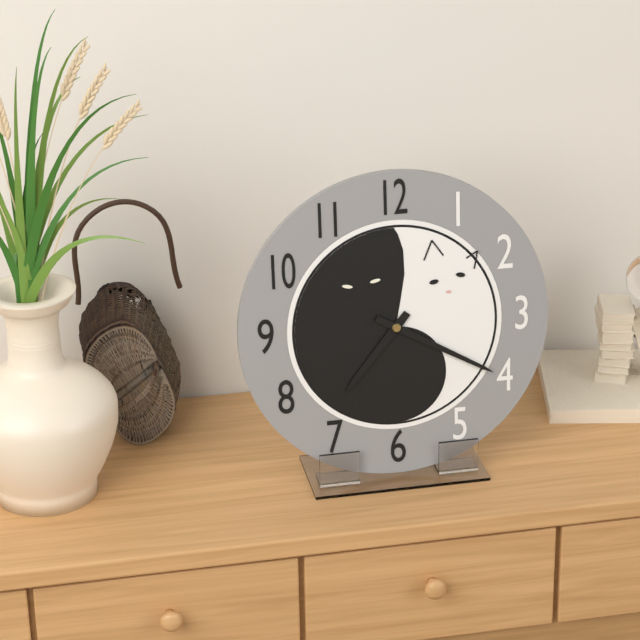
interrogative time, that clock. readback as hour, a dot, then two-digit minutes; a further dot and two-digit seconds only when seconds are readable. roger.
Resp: 7.20
